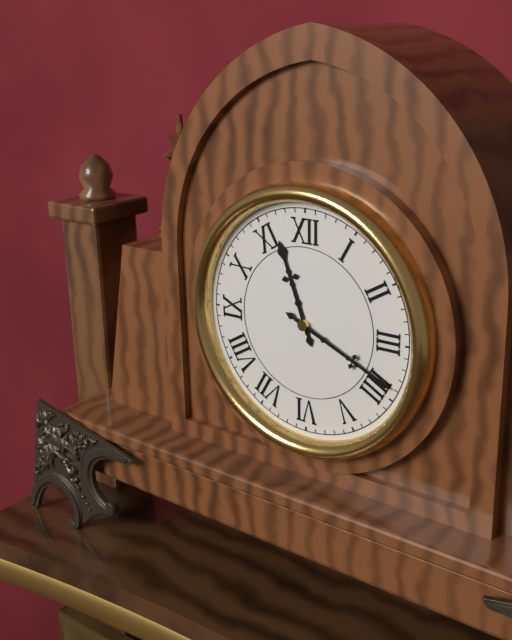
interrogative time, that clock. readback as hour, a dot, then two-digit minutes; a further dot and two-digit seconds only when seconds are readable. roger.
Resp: 11.19
